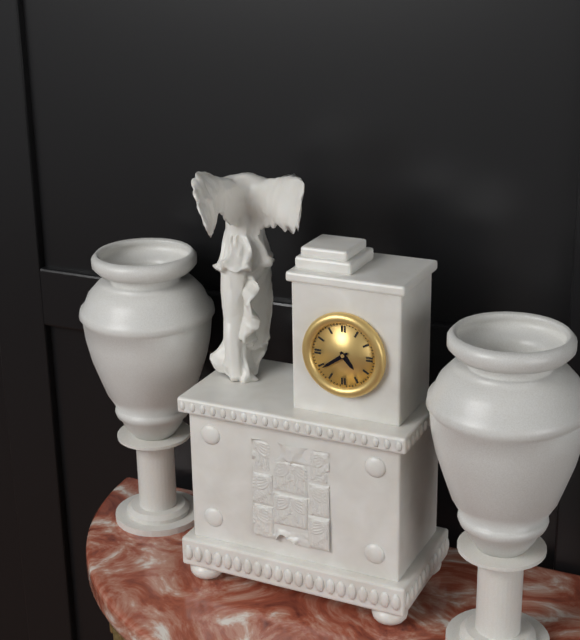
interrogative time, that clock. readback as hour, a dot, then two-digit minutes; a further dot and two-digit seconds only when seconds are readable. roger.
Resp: 4.39
